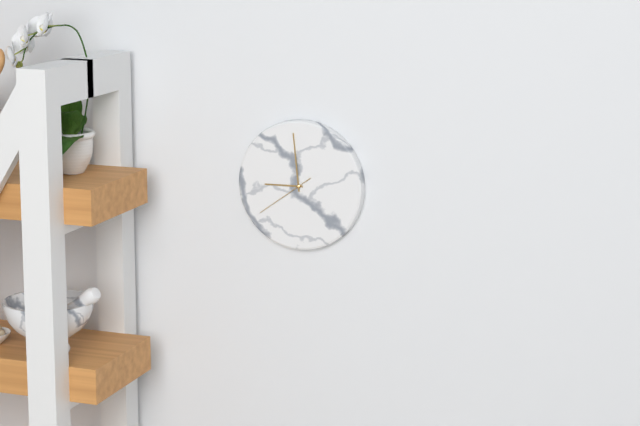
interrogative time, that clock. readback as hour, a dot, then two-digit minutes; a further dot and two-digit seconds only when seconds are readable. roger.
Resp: 8.59.39
